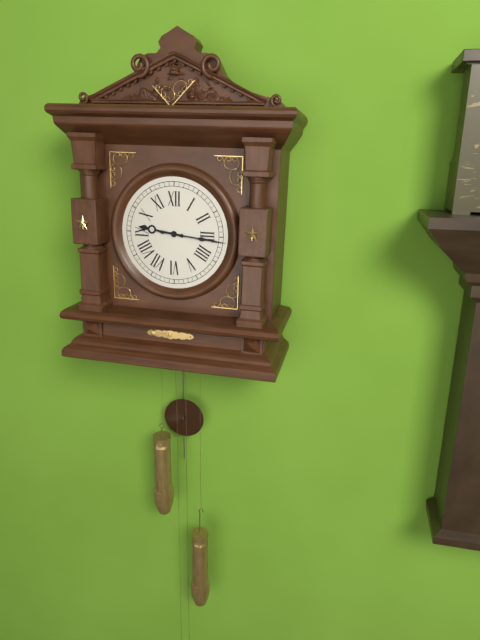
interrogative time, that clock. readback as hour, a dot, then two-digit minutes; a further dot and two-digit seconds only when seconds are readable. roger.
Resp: 9.16
